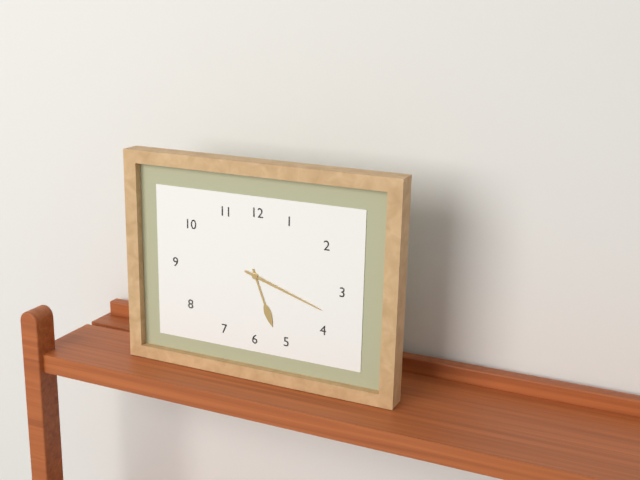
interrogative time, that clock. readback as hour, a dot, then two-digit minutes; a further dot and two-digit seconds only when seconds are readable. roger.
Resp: 5.18
